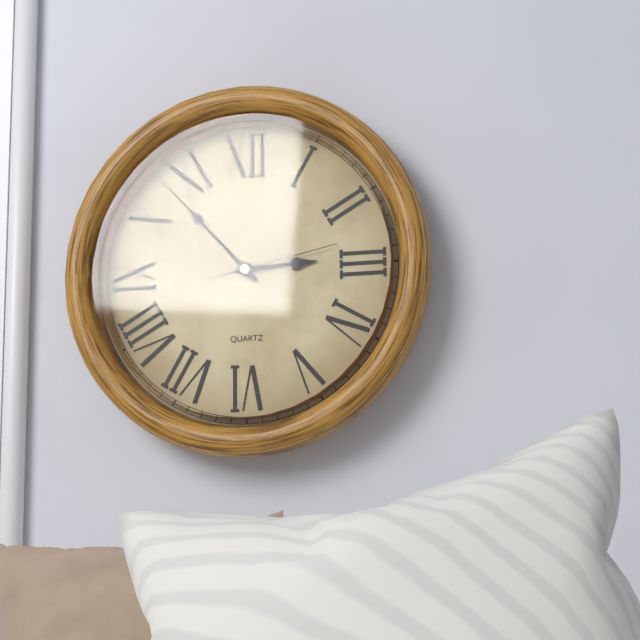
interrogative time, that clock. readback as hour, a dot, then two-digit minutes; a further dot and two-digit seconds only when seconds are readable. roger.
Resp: 2.53.13
